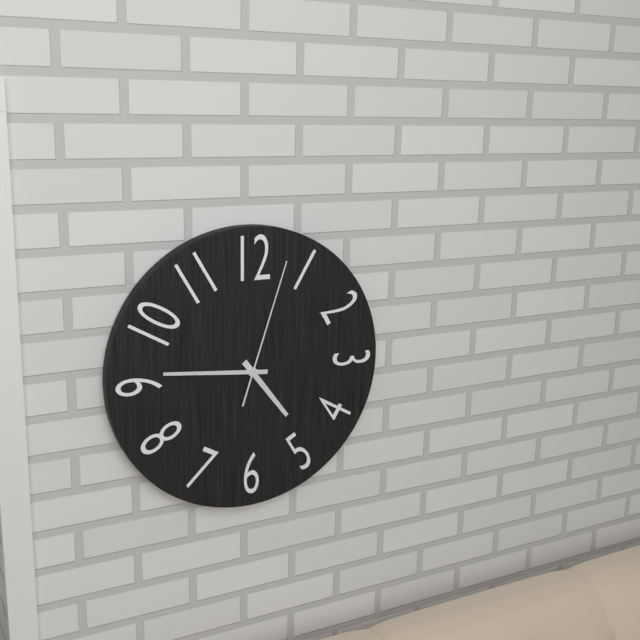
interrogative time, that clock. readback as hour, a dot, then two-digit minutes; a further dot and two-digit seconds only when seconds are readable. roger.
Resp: 4.46.03
